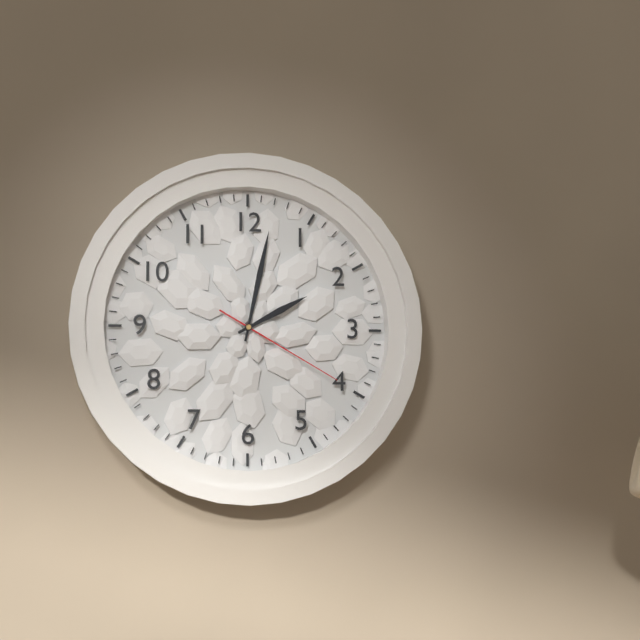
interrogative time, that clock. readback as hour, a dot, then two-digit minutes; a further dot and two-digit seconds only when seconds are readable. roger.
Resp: 2.02.20
